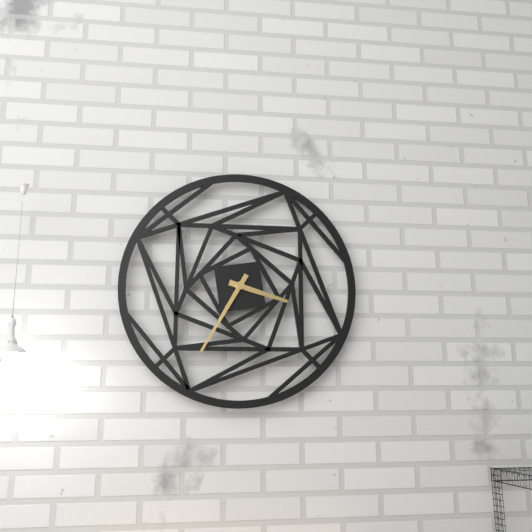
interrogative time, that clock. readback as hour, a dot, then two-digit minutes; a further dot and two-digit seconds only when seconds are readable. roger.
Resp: 3.35
